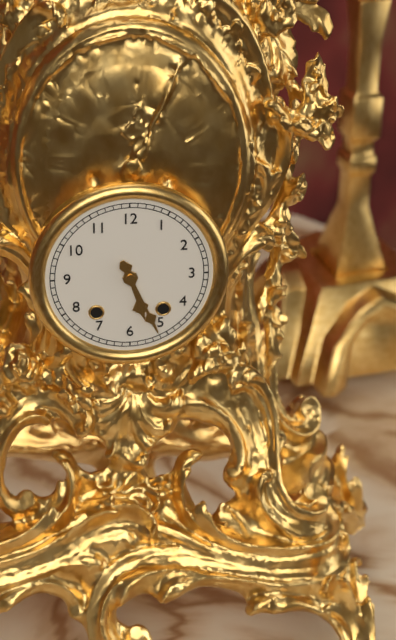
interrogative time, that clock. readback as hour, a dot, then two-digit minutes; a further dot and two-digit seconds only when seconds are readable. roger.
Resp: 5.26
